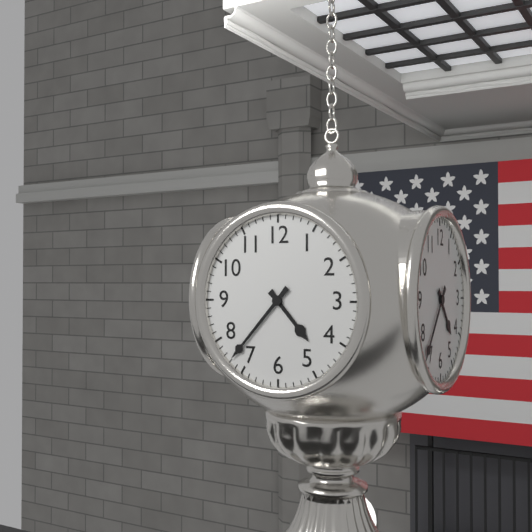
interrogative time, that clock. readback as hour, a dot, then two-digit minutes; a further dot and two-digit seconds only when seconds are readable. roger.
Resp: 4.37
